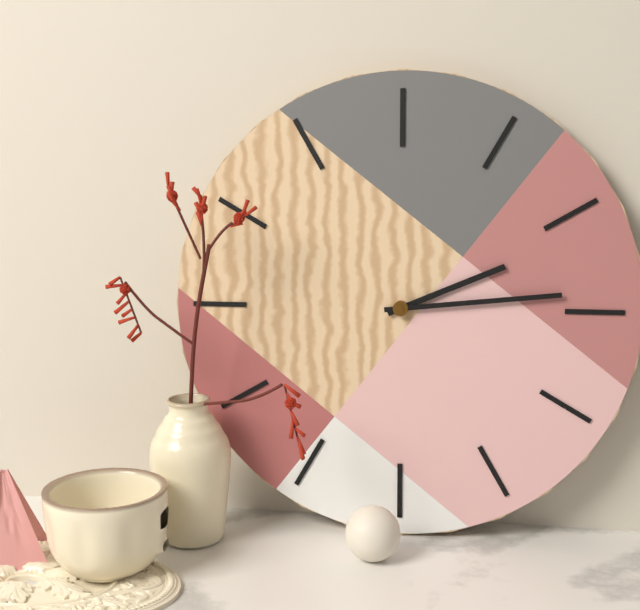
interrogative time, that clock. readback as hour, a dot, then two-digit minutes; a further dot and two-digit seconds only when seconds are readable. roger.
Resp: 2.14
